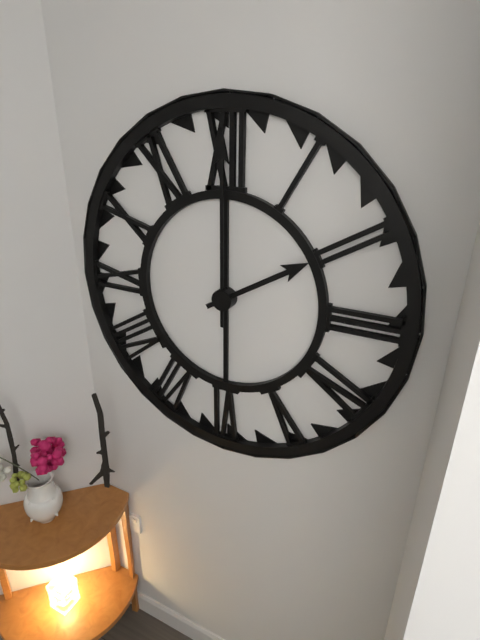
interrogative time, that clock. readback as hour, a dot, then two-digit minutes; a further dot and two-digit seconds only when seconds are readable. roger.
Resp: 2.00
